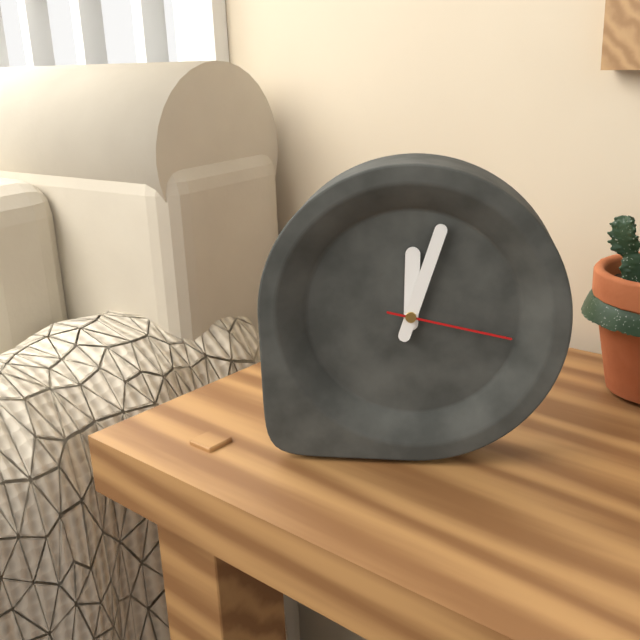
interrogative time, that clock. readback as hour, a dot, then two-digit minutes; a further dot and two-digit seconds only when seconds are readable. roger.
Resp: 12.03.17
